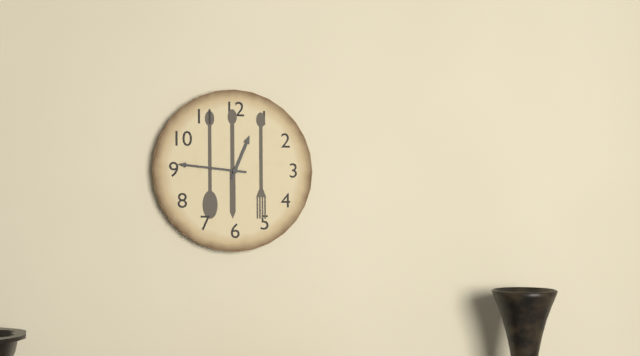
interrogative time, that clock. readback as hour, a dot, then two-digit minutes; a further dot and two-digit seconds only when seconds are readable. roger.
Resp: 12.46
